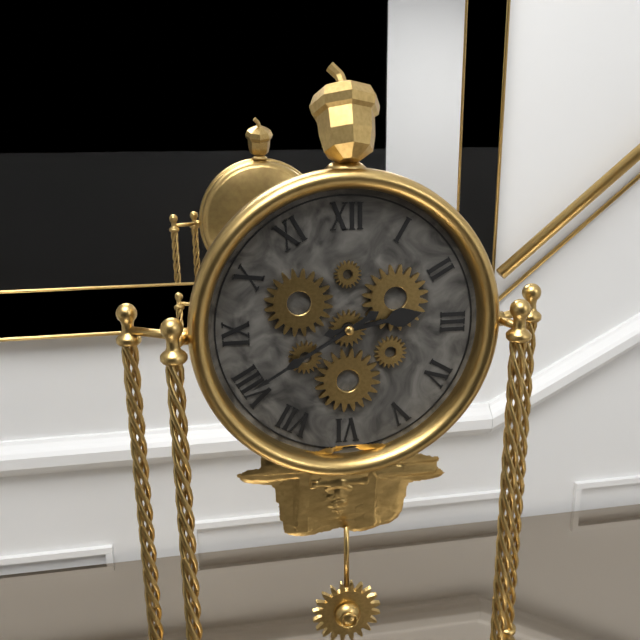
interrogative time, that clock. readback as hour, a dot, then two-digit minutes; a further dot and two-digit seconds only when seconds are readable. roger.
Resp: 2.40
